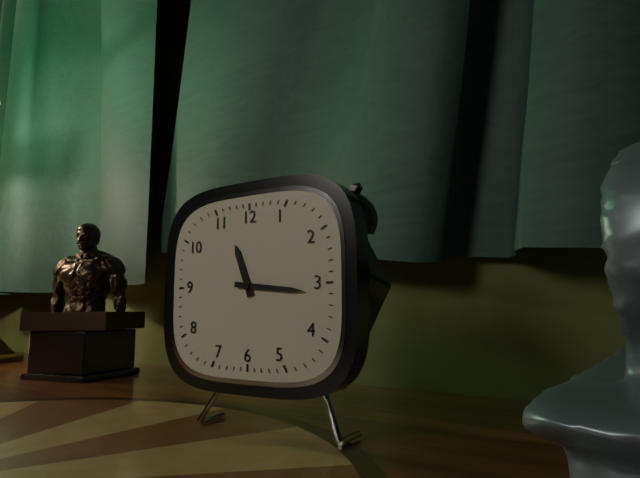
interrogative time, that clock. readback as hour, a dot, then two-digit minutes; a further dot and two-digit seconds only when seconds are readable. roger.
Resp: 11.16
